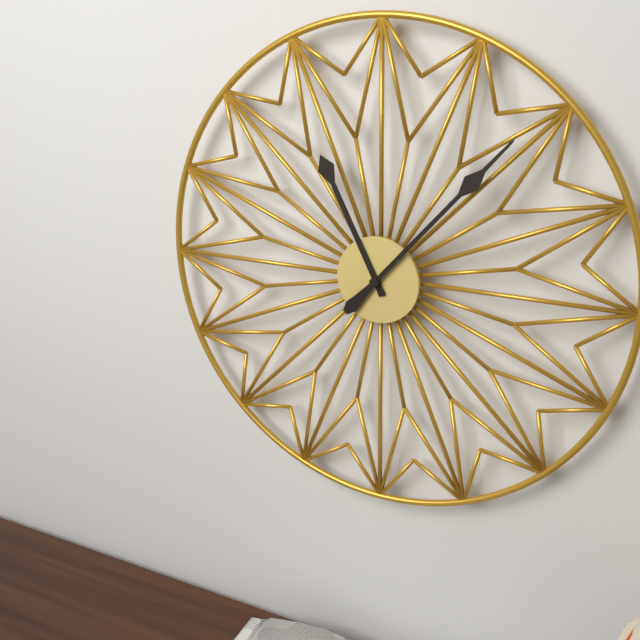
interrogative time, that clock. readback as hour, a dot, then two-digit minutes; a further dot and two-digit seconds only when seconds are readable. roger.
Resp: 11.07
